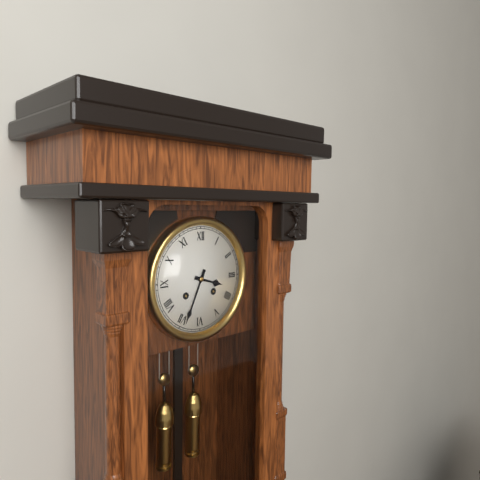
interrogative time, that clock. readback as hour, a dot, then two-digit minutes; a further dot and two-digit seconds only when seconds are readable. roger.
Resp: 3.34
